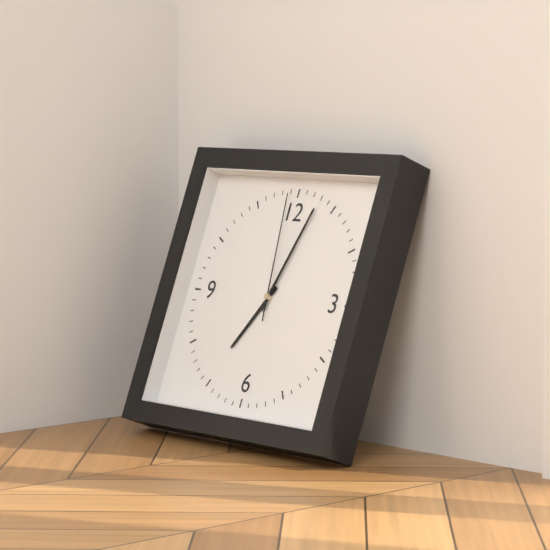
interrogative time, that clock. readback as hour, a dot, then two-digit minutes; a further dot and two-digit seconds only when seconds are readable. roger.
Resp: 7.03.59
